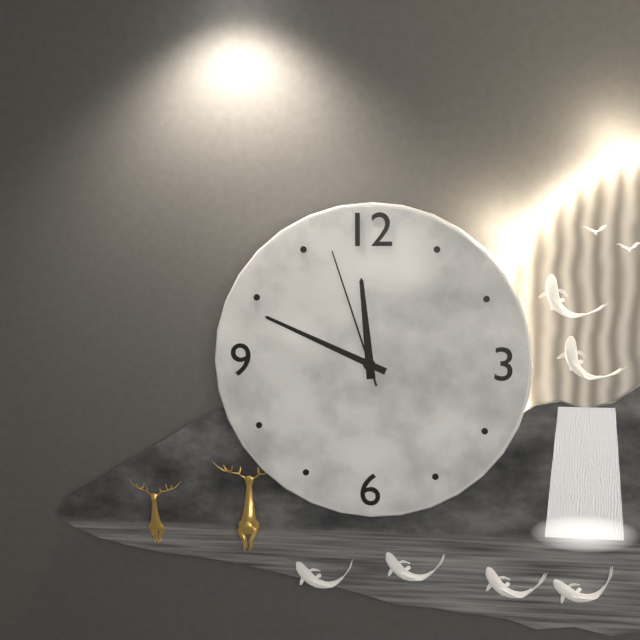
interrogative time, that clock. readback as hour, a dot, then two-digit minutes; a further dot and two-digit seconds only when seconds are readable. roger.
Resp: 11.49.57
